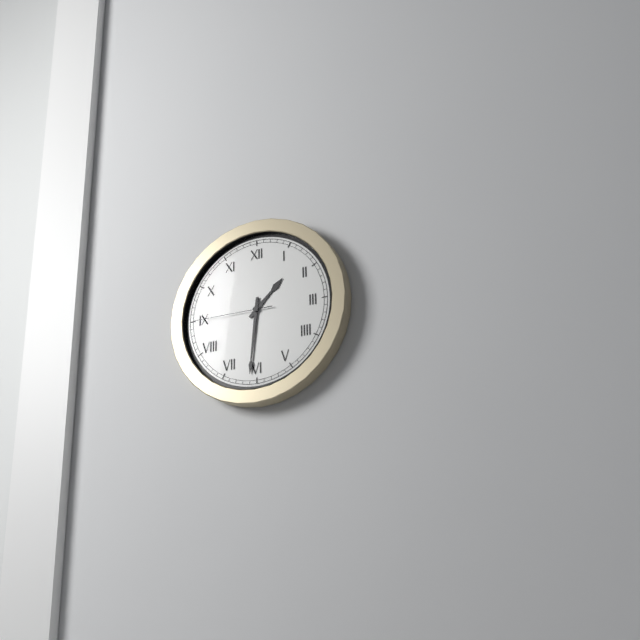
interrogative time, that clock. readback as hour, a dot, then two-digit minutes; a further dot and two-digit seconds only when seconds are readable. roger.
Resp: 1.31.45
